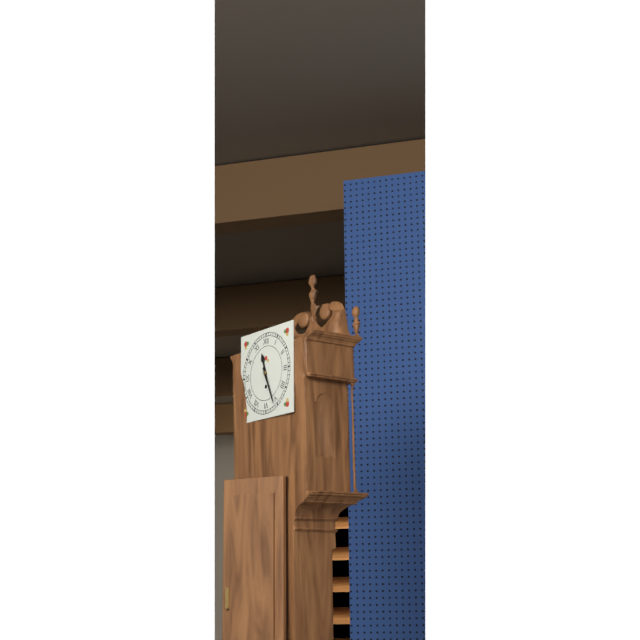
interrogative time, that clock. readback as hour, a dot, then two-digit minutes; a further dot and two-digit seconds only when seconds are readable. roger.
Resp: 11.26
